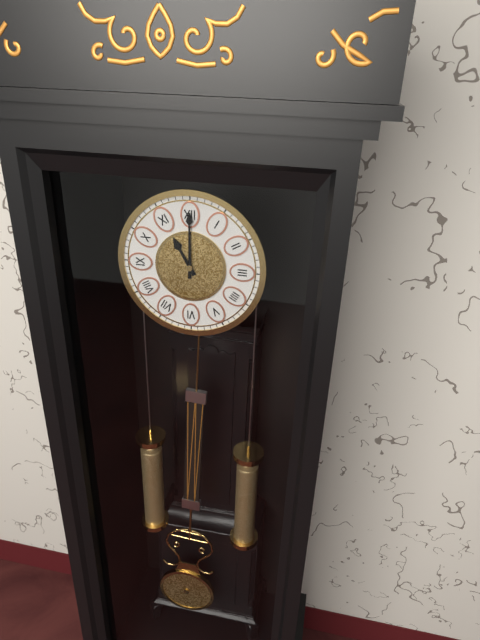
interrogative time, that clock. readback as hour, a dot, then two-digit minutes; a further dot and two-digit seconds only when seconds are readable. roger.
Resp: 11.00
